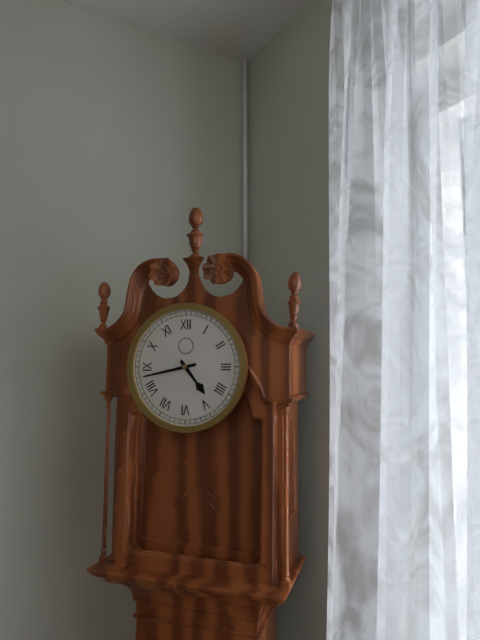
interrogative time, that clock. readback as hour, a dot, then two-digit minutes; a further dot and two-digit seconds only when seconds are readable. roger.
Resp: 4.43
